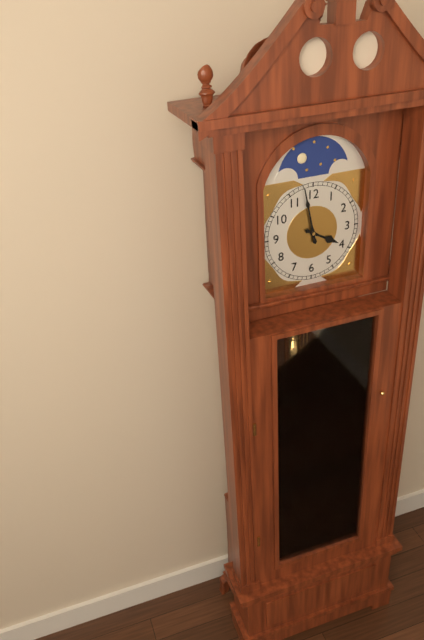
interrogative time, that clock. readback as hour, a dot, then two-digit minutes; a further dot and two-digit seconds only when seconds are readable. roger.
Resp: 3.58
